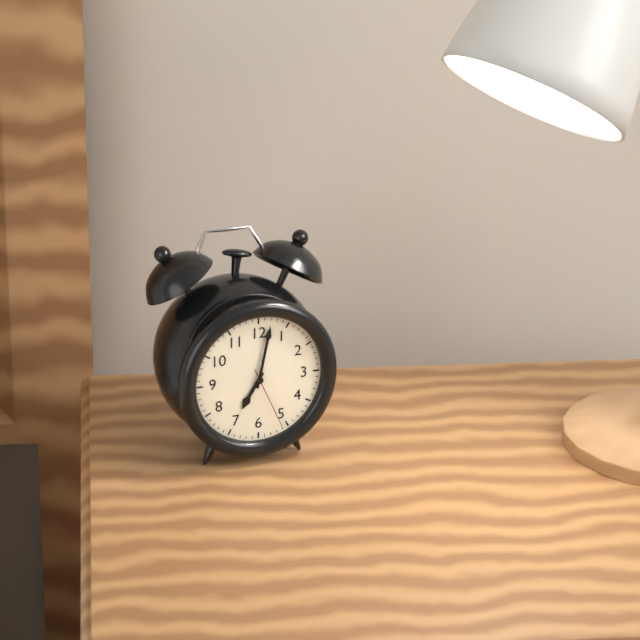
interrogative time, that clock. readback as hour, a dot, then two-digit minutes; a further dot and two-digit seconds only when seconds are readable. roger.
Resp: 7.02.26
